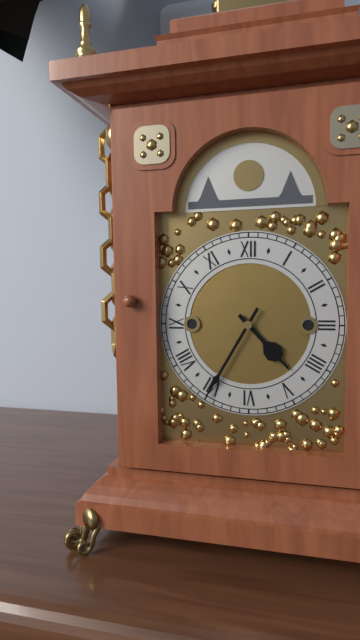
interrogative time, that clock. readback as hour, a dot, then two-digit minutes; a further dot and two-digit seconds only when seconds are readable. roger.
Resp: 4.35
